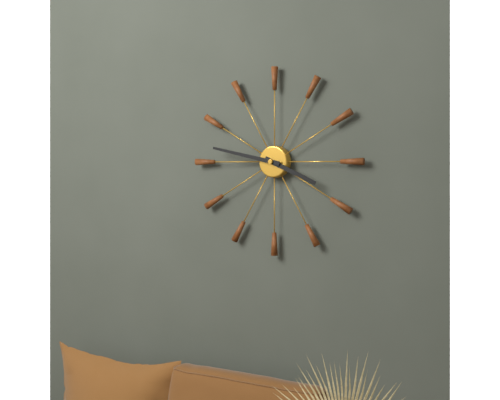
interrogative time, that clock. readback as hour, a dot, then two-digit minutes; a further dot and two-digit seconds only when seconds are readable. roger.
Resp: 3.47
